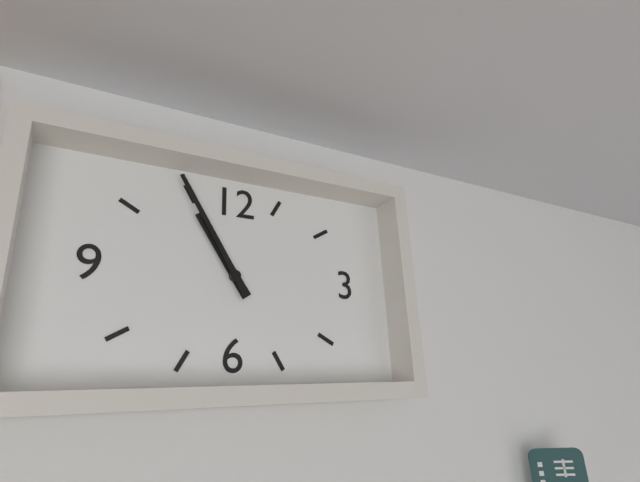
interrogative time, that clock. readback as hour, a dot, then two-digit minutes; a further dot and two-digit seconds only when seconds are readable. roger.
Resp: 10.55
